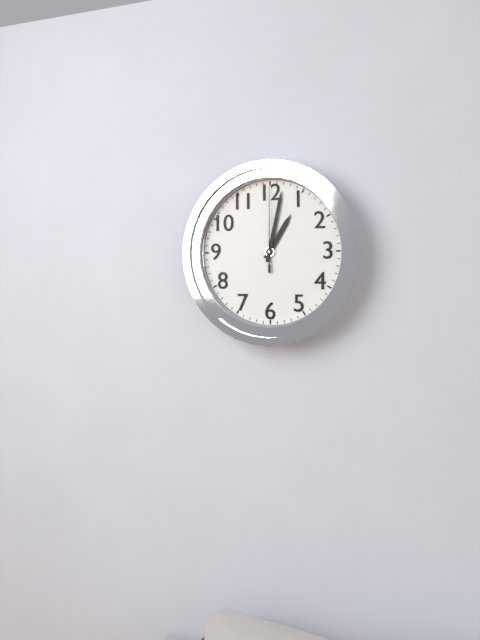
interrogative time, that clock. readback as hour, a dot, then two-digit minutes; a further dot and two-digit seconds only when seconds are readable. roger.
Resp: 1.02.00
